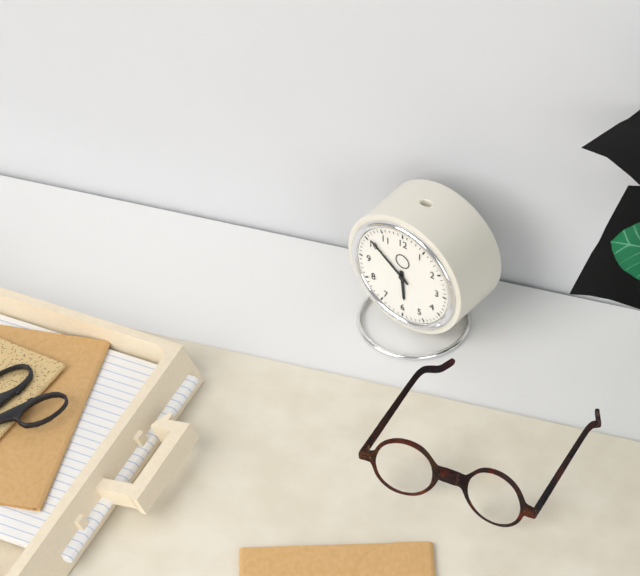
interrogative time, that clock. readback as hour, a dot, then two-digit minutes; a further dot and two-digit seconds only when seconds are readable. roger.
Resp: 5.51
